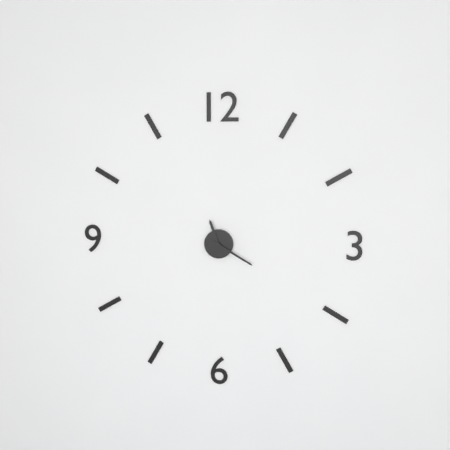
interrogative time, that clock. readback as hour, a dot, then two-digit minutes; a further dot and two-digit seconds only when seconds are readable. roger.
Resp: 11.20
